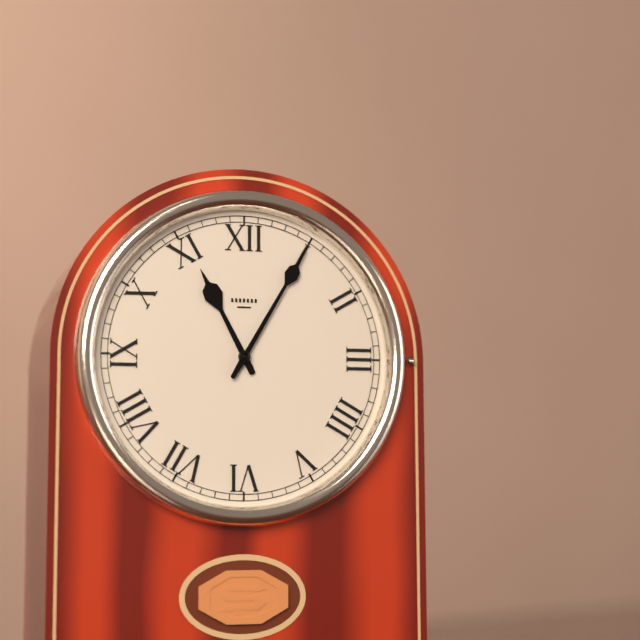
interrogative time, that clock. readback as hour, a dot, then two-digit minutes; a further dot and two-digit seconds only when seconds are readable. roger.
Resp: 11.05
